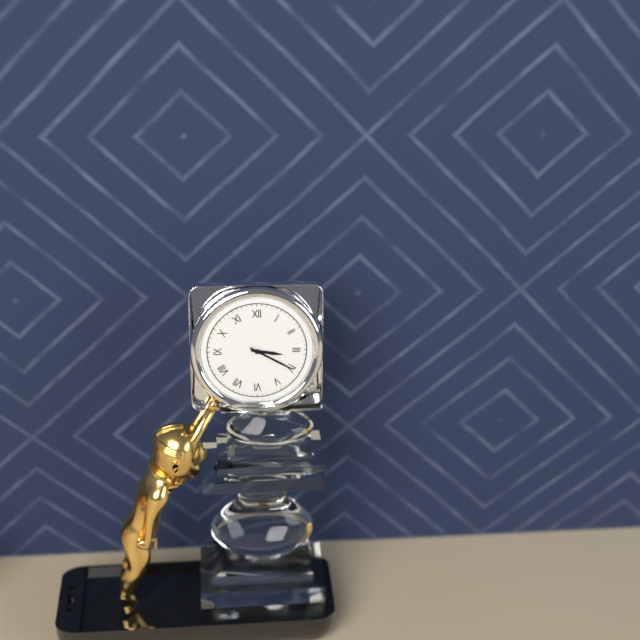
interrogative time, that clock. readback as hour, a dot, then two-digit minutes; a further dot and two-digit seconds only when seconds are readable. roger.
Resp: 3.20
